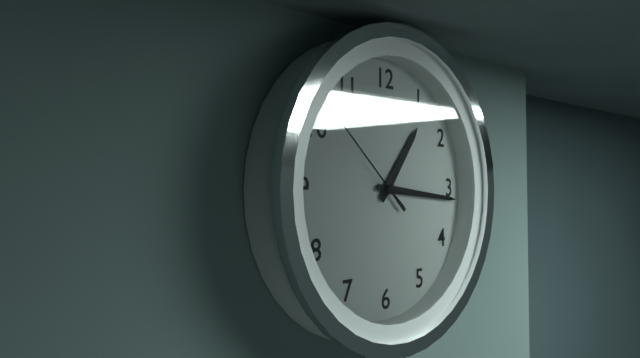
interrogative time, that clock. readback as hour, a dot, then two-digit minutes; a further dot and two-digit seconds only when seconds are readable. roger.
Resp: 1.16.52
